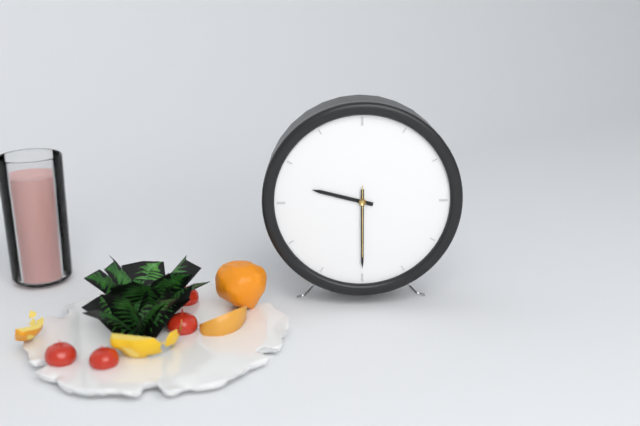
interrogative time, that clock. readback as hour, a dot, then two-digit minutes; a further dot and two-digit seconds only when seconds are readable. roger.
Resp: 9.30.30
